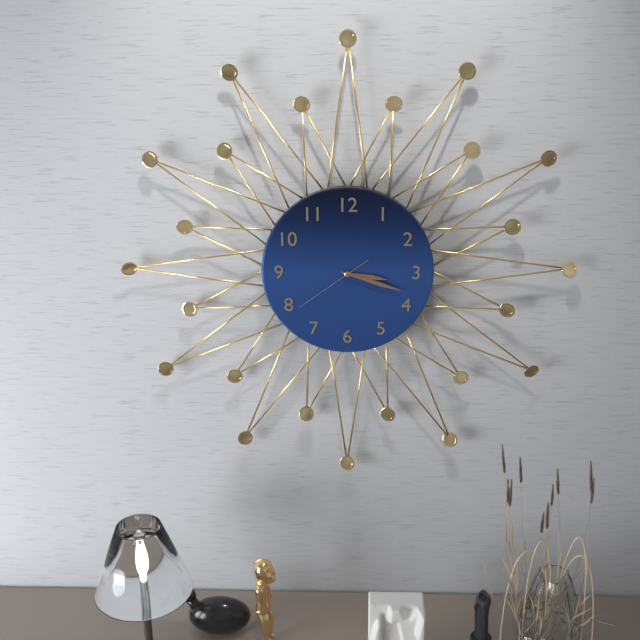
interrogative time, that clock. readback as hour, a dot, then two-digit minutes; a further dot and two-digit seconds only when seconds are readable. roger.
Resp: 3.18.39
